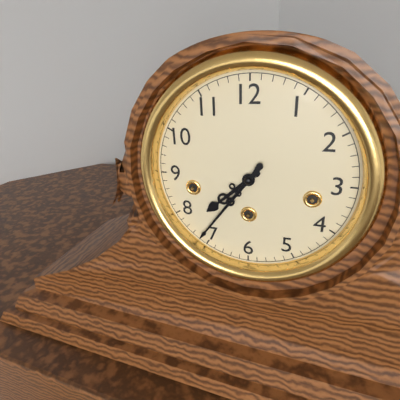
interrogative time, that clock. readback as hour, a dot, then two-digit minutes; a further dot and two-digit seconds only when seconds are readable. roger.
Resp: 7.36
